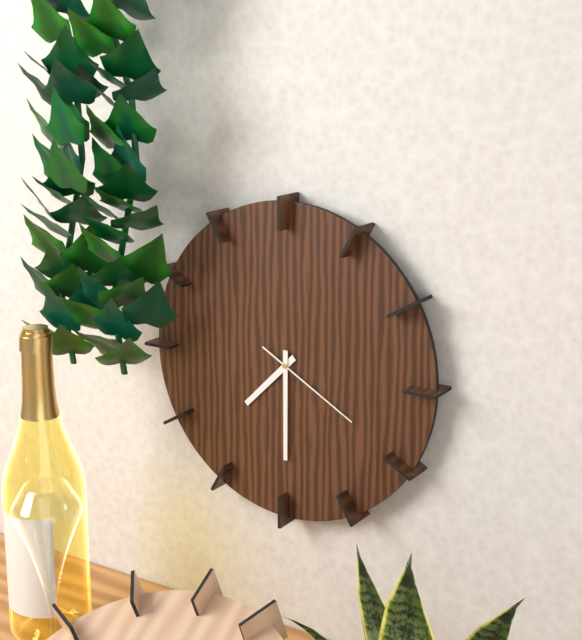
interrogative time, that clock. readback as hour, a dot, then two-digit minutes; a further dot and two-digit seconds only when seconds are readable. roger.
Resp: 7.30.20
